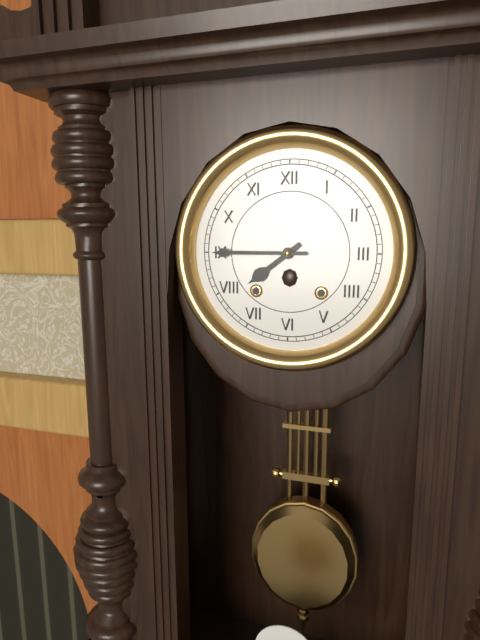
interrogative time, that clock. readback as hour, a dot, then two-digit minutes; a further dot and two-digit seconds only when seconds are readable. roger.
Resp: 7.45
